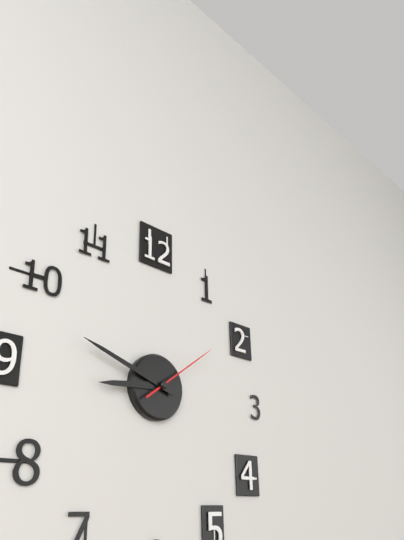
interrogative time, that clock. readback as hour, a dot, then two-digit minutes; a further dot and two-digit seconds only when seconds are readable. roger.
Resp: 8.48.09
